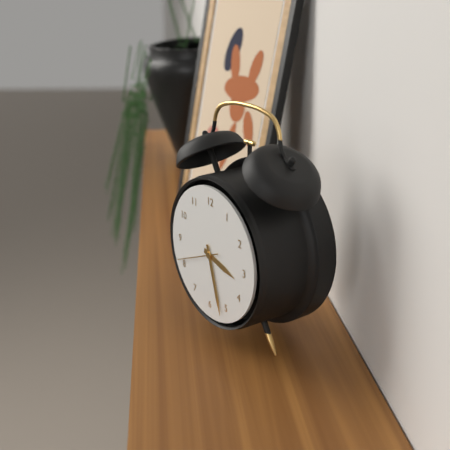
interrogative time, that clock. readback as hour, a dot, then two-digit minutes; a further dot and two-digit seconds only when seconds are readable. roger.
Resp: 3.27
